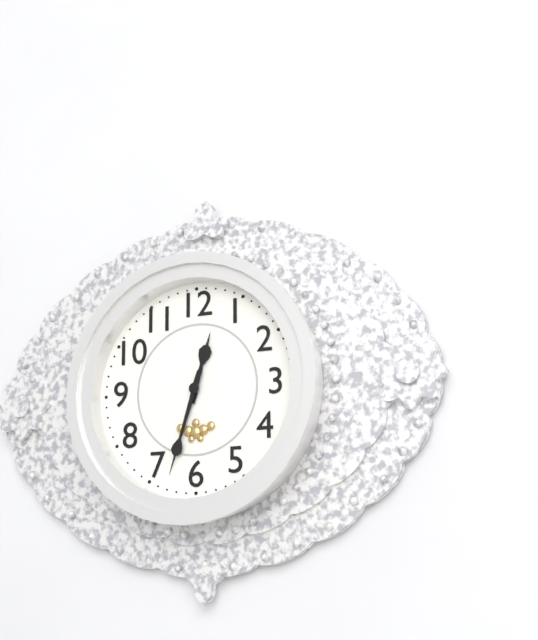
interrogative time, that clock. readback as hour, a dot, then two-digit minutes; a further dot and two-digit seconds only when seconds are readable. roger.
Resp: 12.33
